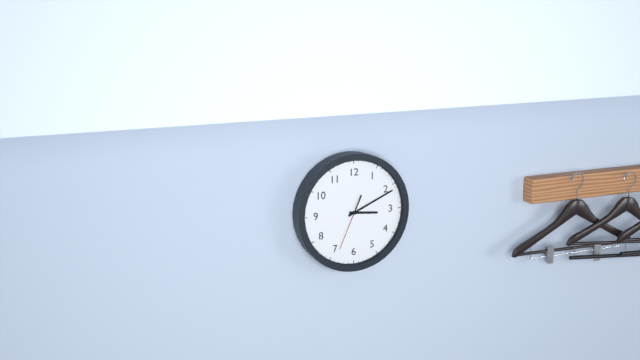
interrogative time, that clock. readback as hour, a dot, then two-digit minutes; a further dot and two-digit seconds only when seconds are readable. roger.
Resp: 3.11.34
